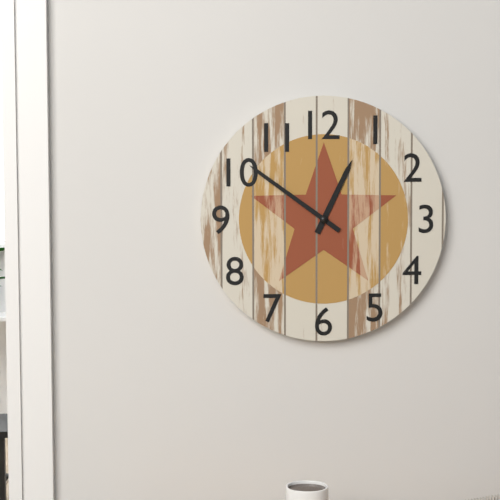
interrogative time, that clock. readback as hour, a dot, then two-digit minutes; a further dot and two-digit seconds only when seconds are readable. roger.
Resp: 12.51
